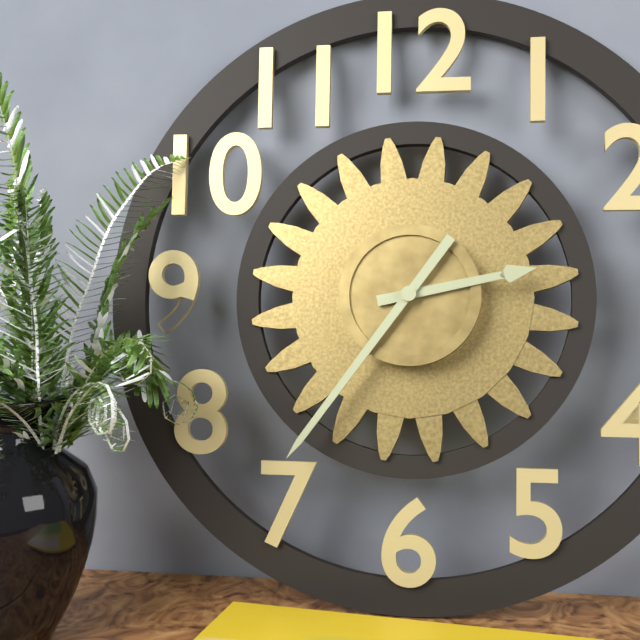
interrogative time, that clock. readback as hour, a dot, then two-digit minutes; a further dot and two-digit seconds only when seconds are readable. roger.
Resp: 2.36
